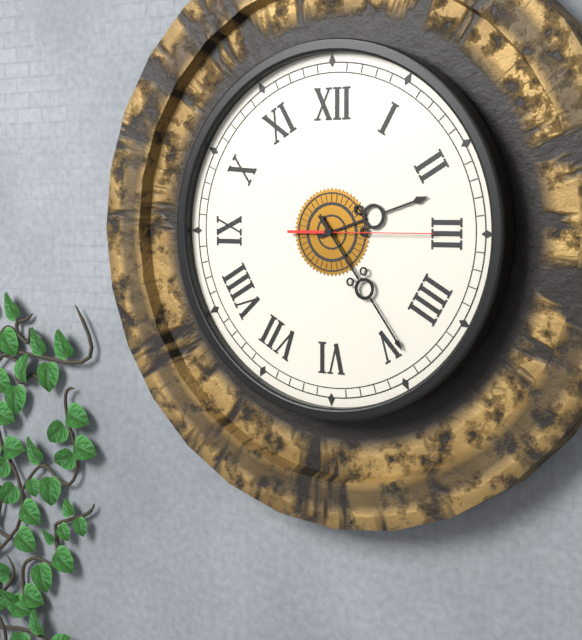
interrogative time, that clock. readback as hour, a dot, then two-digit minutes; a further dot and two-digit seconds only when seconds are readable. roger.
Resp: 2.24.15
